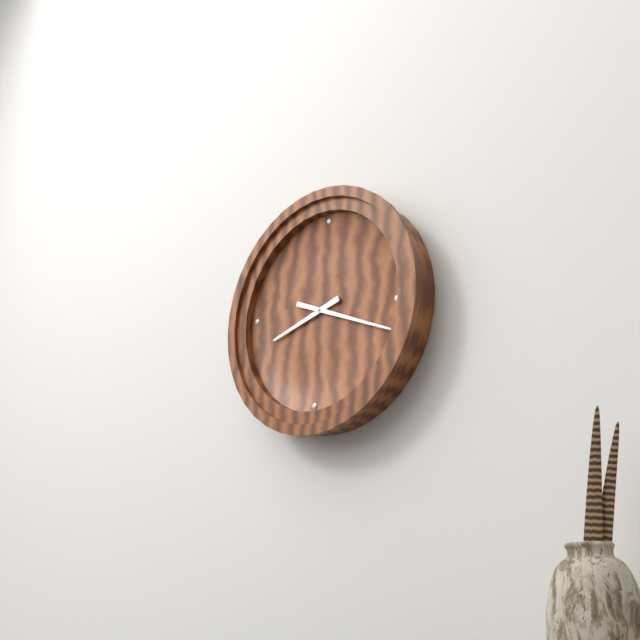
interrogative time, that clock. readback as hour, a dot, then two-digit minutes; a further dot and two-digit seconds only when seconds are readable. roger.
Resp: 8.18
